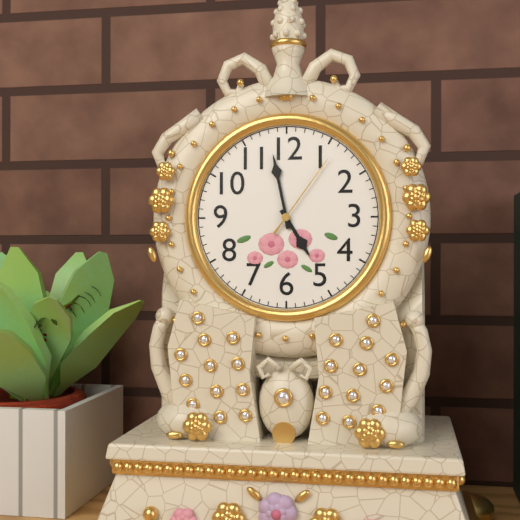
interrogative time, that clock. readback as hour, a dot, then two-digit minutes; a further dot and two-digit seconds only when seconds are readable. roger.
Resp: 4.58.06
